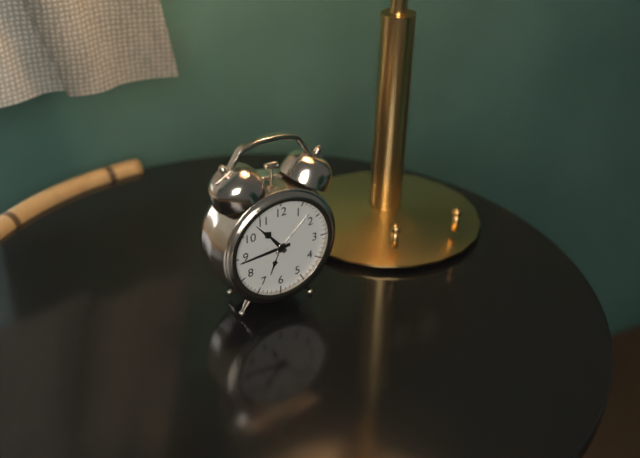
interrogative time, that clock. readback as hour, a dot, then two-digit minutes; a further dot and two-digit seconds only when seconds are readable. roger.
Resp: 10.44
